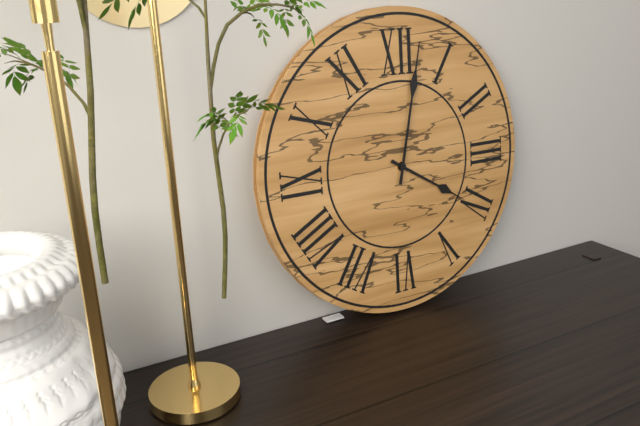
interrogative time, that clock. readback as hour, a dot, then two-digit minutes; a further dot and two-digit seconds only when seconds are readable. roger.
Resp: 4.02
